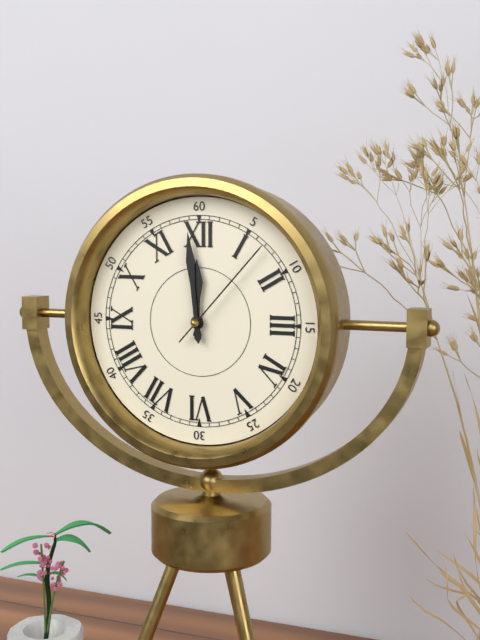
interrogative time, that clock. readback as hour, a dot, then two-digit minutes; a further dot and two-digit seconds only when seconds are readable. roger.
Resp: 11.59.07
